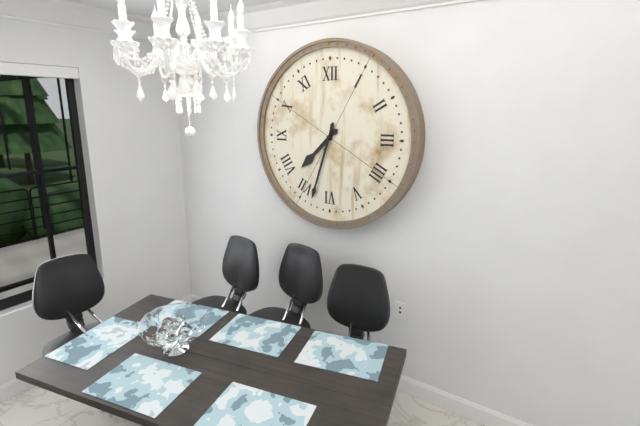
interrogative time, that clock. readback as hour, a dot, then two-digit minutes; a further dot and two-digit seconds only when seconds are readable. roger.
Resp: 7.33
